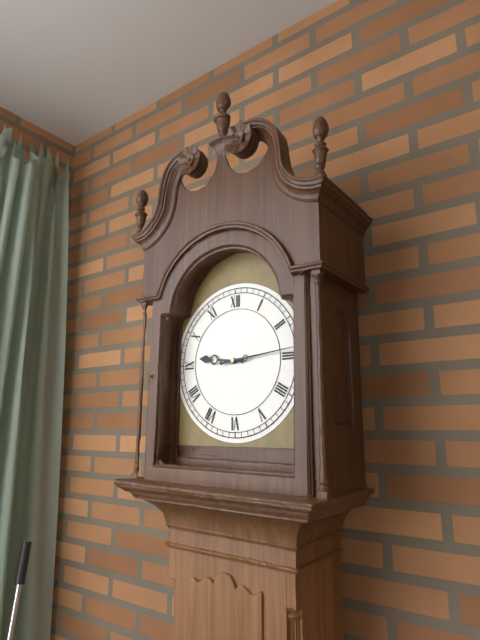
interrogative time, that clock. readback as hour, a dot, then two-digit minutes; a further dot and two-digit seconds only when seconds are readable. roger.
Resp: 9.14
